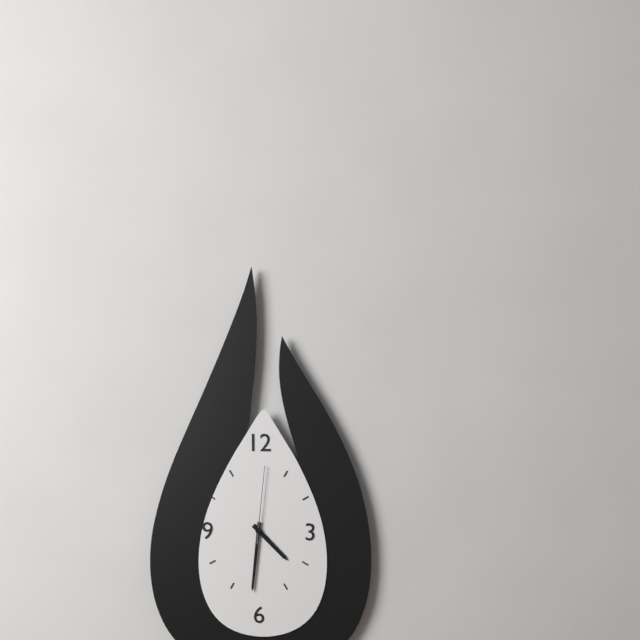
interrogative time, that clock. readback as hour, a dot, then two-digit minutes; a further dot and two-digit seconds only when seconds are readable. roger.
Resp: 4.31.01
